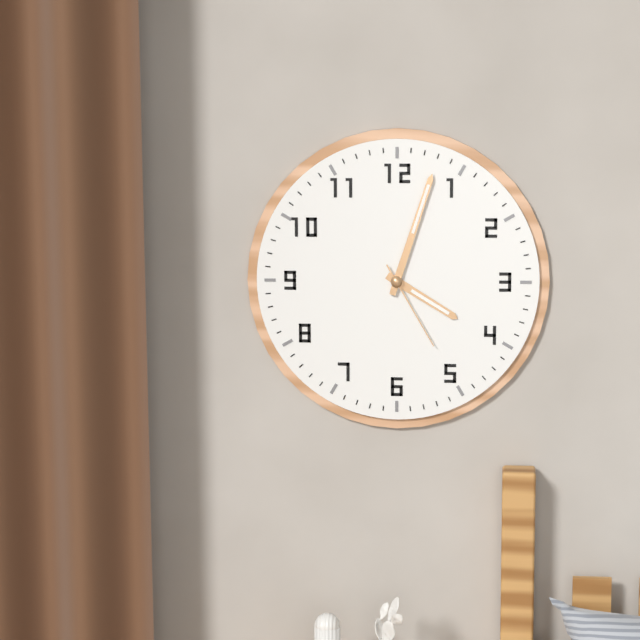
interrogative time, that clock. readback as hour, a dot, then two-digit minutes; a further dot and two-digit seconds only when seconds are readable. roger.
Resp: 4.03.25
